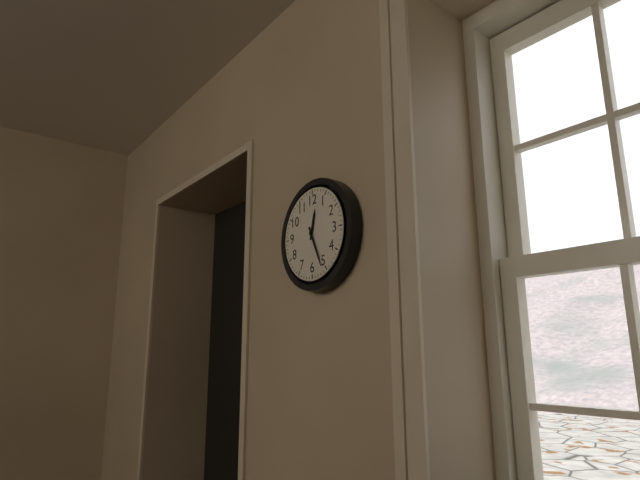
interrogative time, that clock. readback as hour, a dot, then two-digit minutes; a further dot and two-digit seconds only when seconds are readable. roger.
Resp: 12.26
